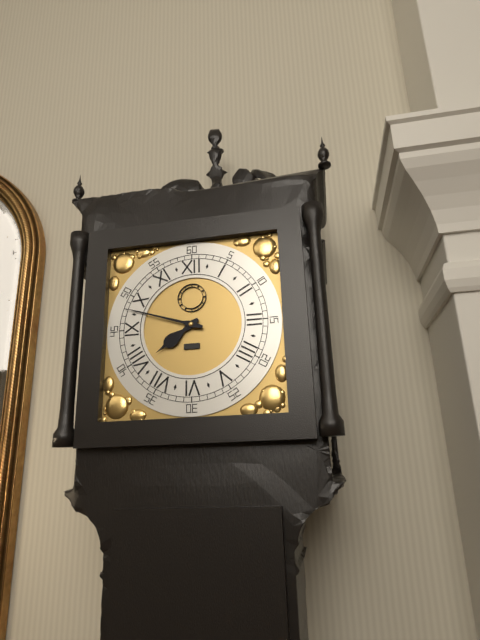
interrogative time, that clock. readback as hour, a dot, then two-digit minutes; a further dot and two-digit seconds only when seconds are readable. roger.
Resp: 7.48
